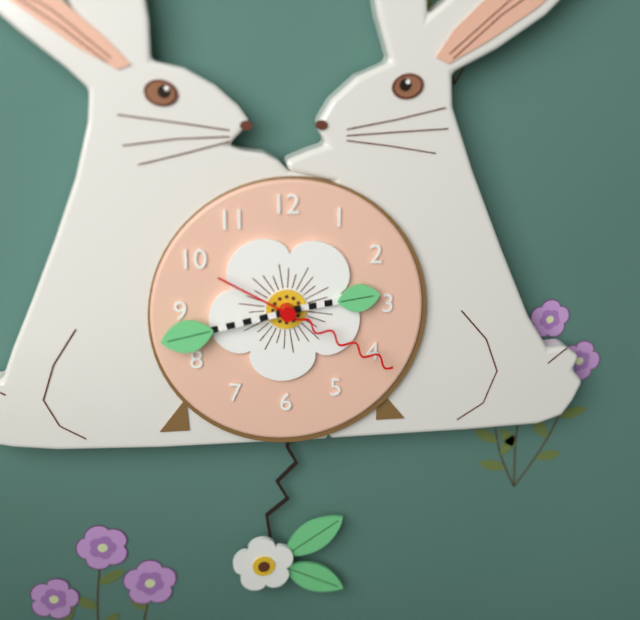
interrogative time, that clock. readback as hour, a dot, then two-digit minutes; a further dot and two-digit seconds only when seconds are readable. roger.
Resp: 2.43.20
